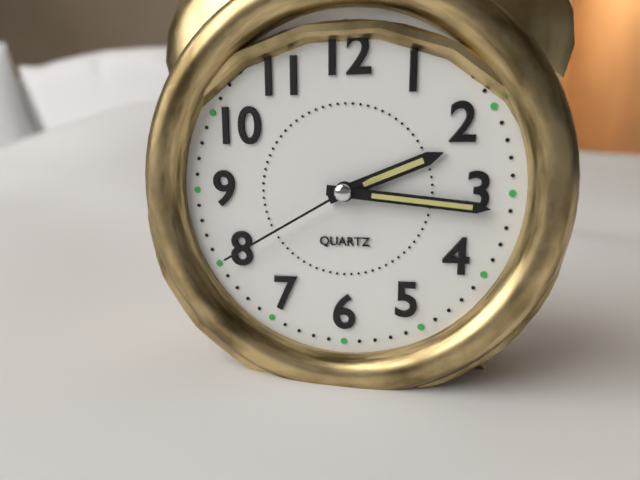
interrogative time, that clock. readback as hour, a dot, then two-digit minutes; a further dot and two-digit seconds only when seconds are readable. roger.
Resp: 2.16.40
